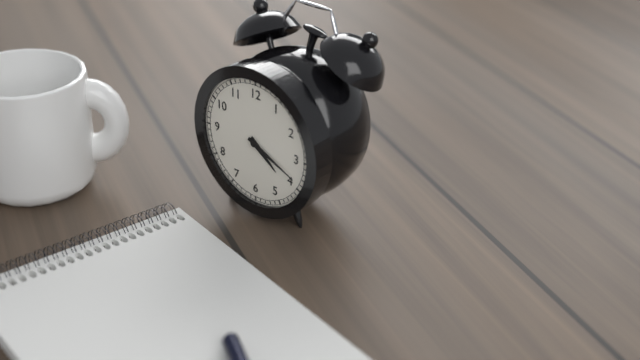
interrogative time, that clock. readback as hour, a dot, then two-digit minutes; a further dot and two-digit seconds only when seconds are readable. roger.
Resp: 4.19
